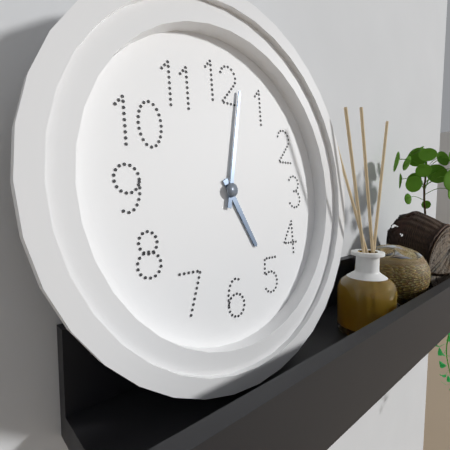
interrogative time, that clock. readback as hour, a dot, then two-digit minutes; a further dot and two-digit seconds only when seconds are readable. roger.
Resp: 5.02
